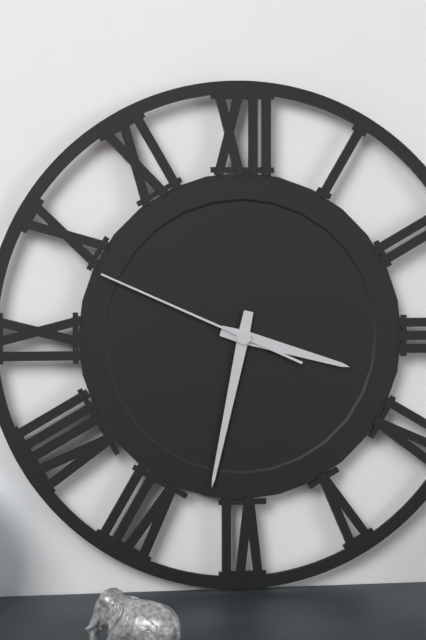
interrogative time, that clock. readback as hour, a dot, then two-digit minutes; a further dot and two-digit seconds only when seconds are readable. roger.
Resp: 3.32.49
